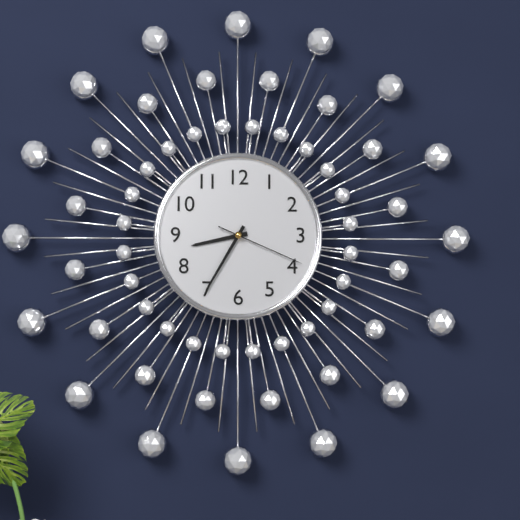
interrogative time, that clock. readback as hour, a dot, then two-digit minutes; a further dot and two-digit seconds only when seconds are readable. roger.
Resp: 8.35.19
